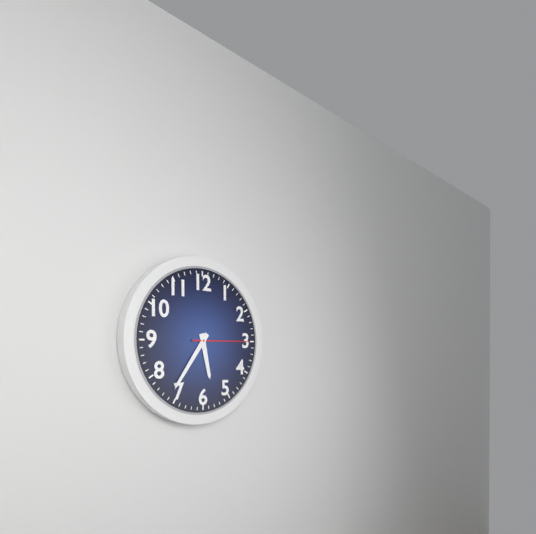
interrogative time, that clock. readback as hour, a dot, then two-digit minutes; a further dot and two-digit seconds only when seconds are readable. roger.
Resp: 5.36.15
